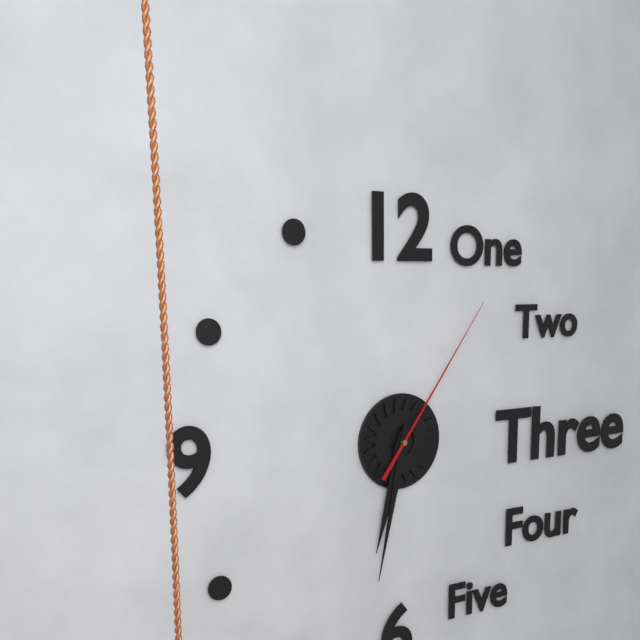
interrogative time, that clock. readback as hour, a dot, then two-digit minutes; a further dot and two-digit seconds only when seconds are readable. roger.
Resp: 6.32.06
